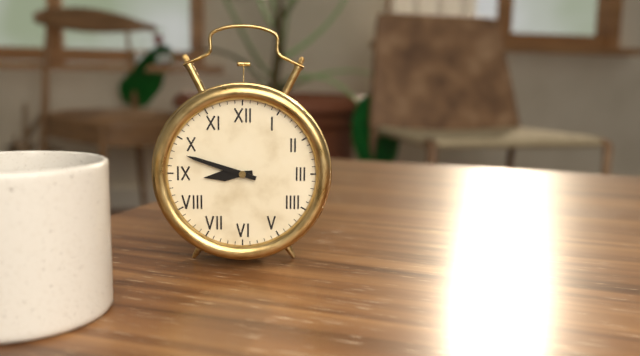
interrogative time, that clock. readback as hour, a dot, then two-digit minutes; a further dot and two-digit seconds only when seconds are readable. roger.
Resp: 8.48
